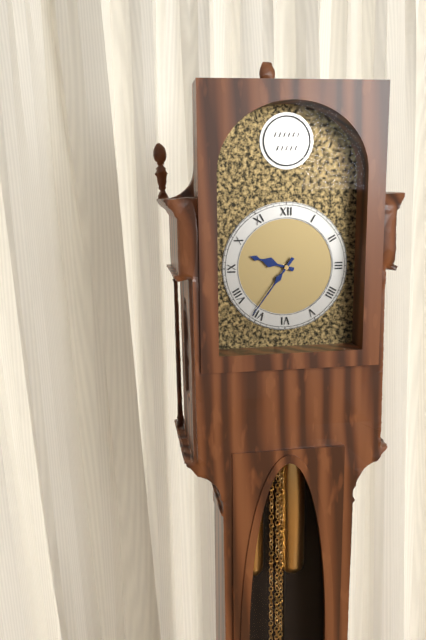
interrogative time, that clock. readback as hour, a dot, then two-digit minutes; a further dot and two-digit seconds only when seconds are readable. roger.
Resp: 9.36
